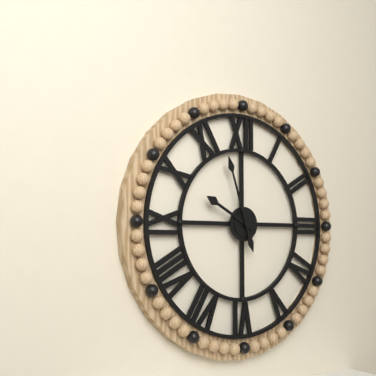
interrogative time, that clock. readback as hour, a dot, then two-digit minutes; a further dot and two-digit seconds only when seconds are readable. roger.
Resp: 9.57
